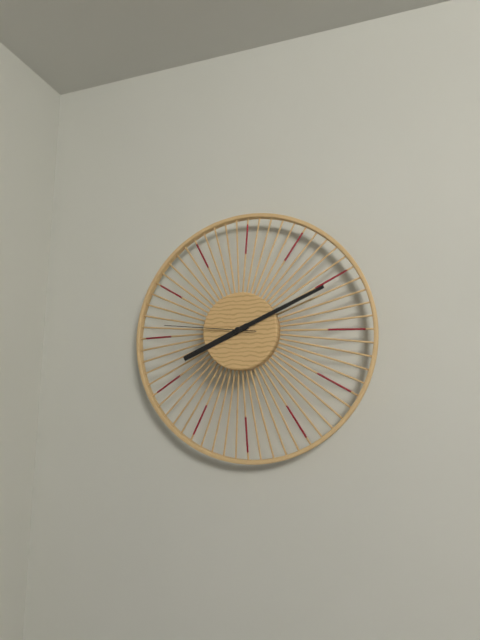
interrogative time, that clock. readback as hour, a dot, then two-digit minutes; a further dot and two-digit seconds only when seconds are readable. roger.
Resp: 8.11.46
